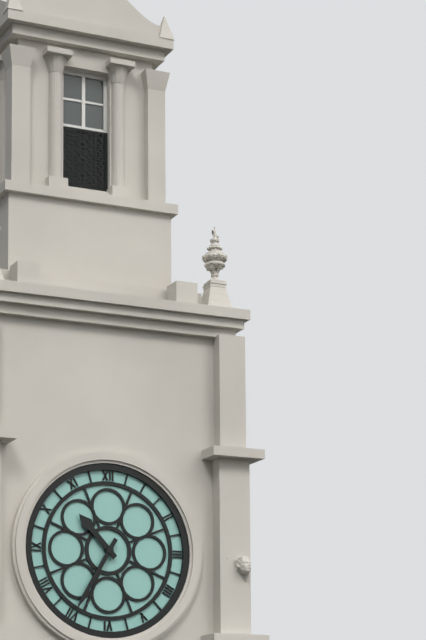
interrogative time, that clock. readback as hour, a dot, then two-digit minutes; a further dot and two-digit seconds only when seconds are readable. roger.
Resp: 10.35
